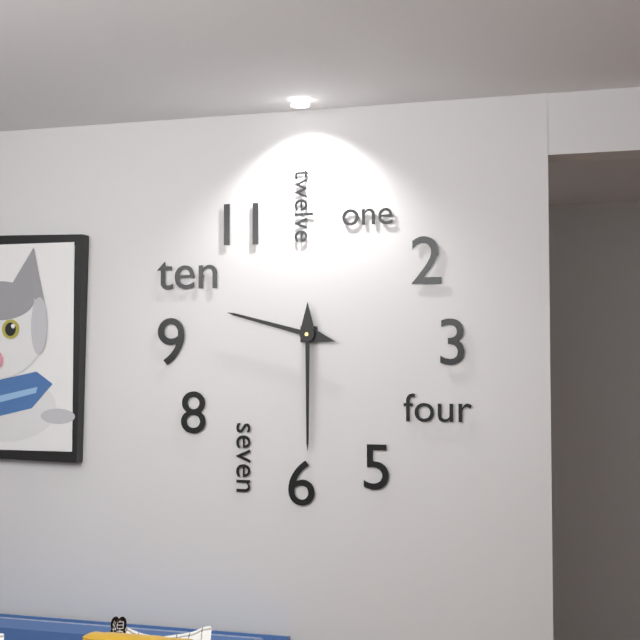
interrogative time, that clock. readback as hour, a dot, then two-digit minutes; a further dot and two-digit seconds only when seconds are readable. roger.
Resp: 9.30
